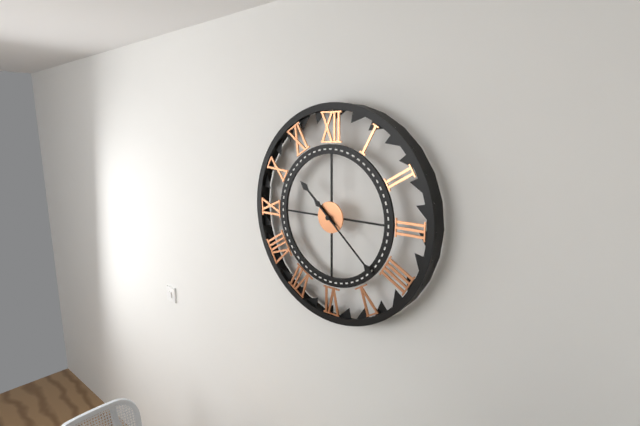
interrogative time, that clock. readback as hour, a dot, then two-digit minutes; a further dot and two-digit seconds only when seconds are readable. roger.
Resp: 10.22
